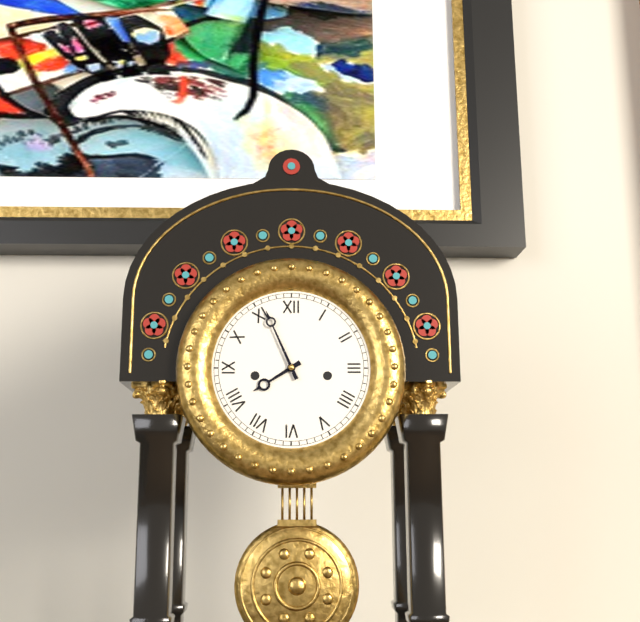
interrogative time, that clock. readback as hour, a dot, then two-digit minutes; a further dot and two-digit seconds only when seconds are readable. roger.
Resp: 7.56
